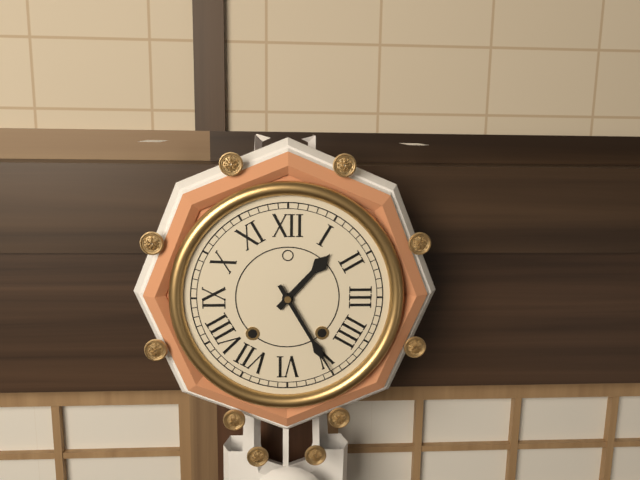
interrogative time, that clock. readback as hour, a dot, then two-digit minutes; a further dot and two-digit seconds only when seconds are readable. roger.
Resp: 1.25
